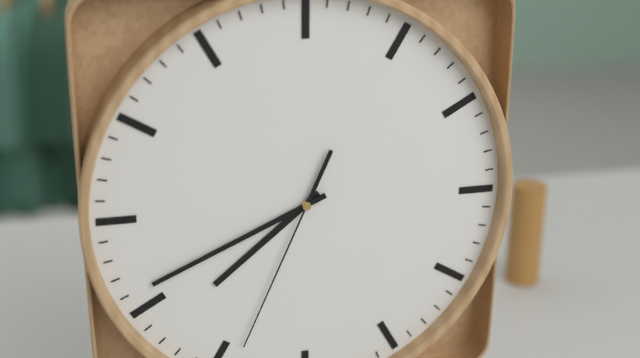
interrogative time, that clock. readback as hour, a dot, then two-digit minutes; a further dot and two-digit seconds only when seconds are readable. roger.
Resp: 7.41.34
